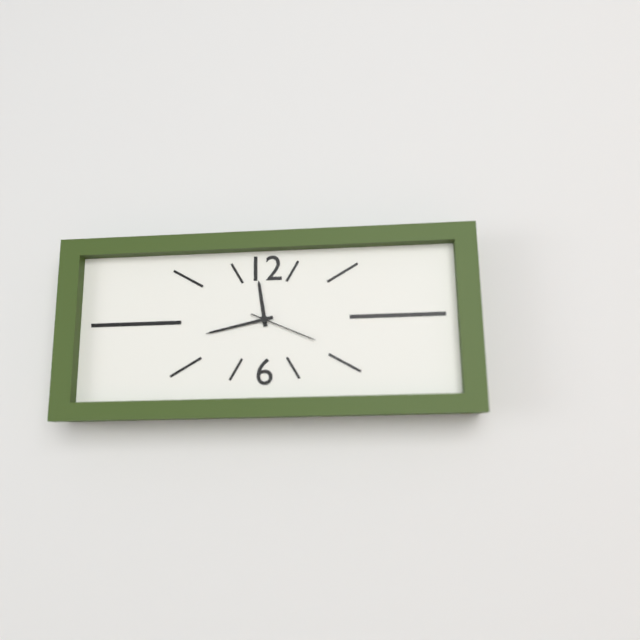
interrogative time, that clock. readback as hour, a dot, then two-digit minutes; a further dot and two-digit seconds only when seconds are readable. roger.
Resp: 11.43.19
